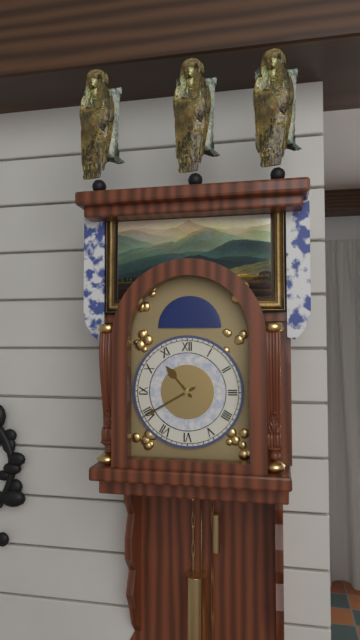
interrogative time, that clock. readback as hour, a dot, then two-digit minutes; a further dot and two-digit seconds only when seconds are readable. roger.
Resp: 10.40
